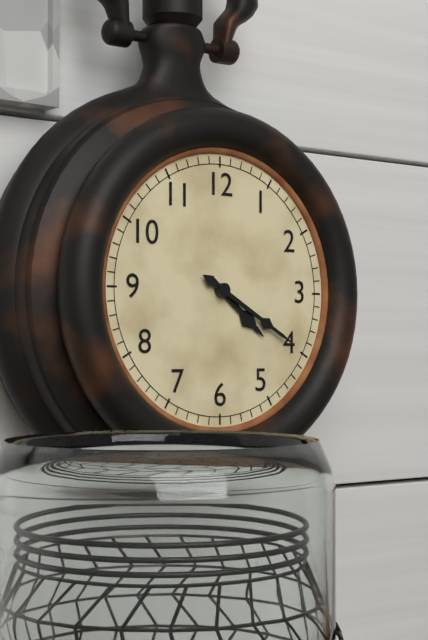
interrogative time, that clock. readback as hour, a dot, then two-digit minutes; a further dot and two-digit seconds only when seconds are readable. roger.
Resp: 4.20
